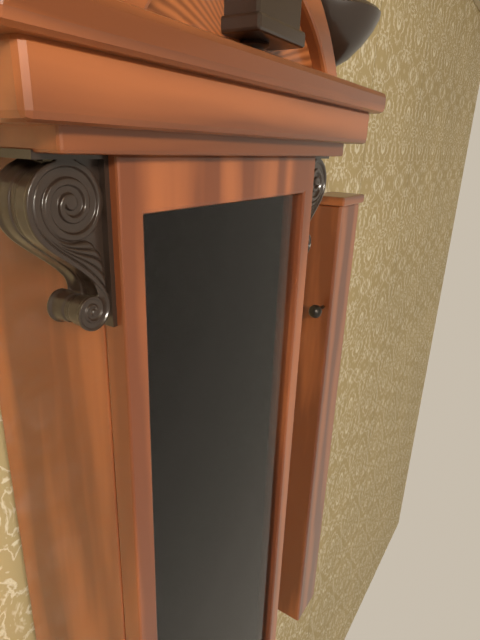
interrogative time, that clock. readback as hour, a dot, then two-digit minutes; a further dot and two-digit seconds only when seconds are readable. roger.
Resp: 2.08
